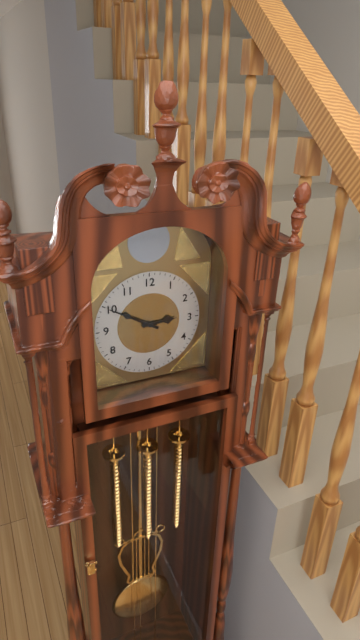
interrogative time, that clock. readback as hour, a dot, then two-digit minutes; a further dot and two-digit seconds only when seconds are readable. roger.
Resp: 2.50
